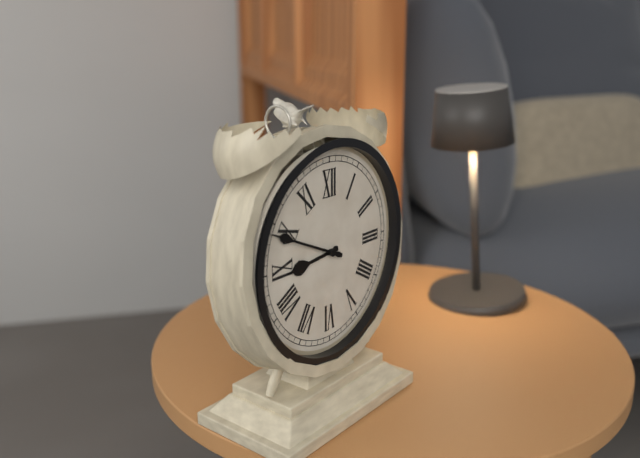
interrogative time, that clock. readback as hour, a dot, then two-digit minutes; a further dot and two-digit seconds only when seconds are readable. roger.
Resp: 8.49
